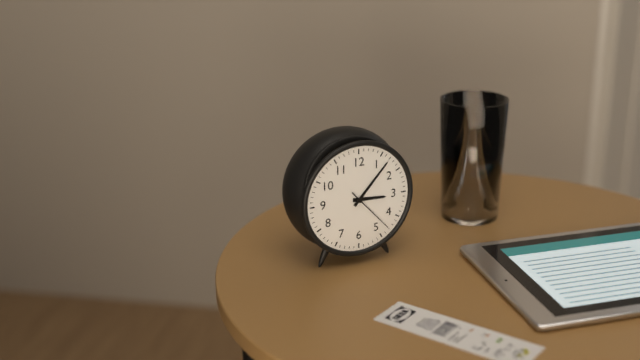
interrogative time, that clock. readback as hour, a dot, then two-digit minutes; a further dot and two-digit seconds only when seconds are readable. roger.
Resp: 3.07
